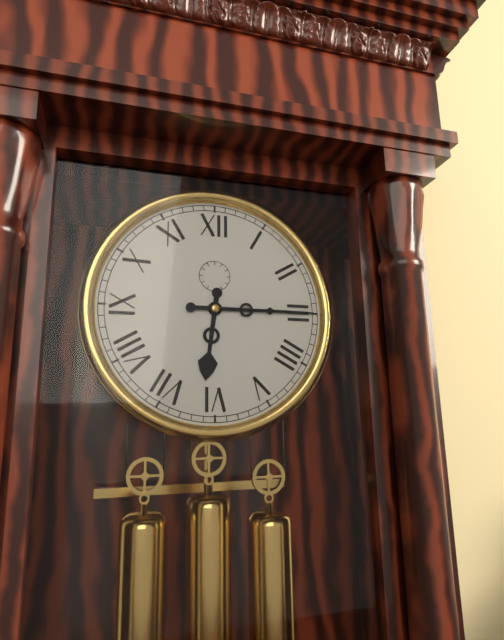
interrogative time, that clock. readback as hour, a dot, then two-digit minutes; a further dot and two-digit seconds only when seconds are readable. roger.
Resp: 6.15
